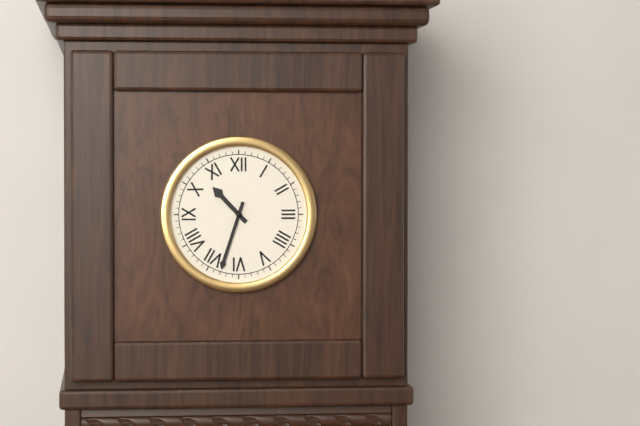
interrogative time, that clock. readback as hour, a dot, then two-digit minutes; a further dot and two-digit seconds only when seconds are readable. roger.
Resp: 10.33
